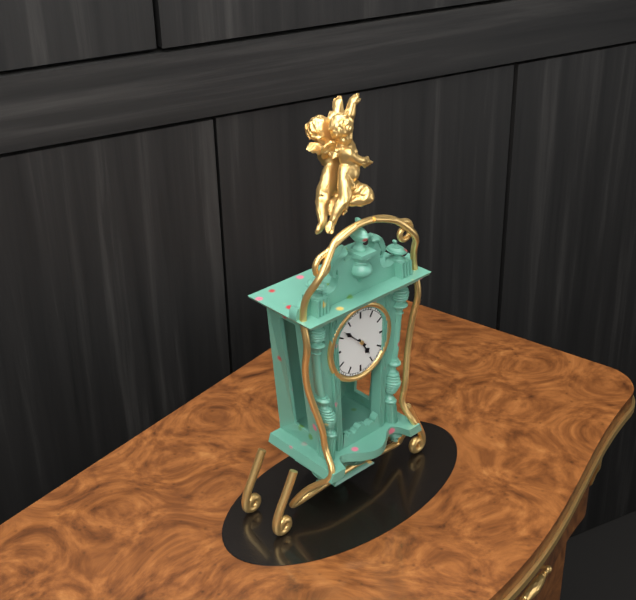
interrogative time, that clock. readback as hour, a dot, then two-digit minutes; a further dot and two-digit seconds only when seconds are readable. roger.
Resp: 4.52
